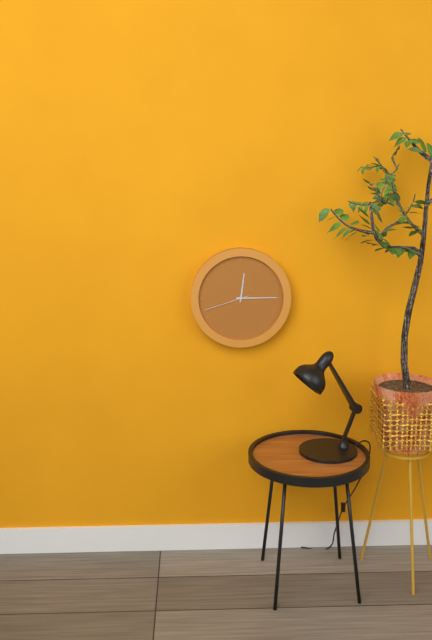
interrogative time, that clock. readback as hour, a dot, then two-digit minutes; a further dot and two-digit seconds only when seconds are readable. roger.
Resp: 12.15
